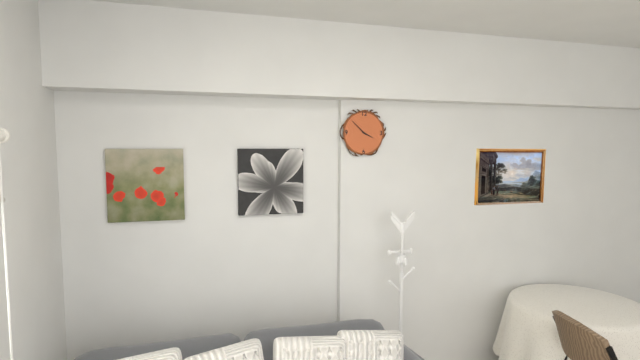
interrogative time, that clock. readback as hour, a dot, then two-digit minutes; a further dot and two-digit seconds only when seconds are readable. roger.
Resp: 3.52
